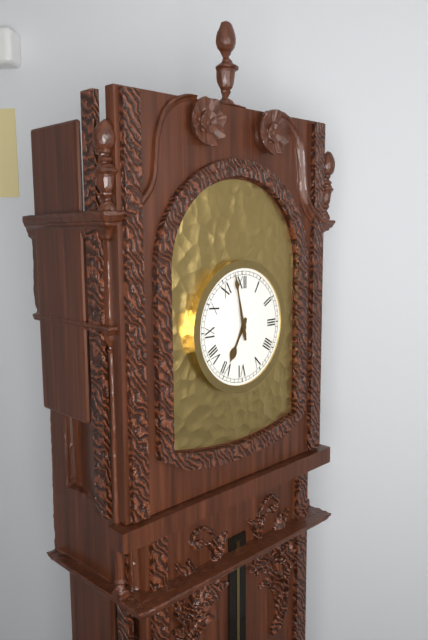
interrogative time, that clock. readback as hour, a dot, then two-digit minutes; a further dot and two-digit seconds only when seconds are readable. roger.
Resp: 6.58
